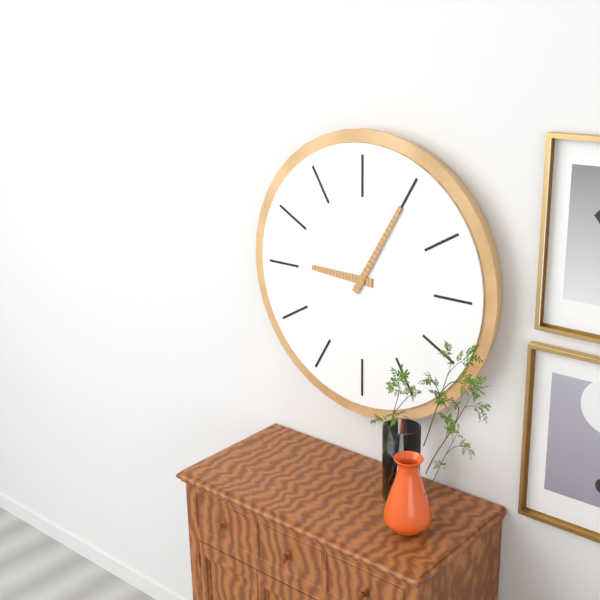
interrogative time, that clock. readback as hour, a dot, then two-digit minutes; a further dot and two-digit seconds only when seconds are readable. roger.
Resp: 9.05
